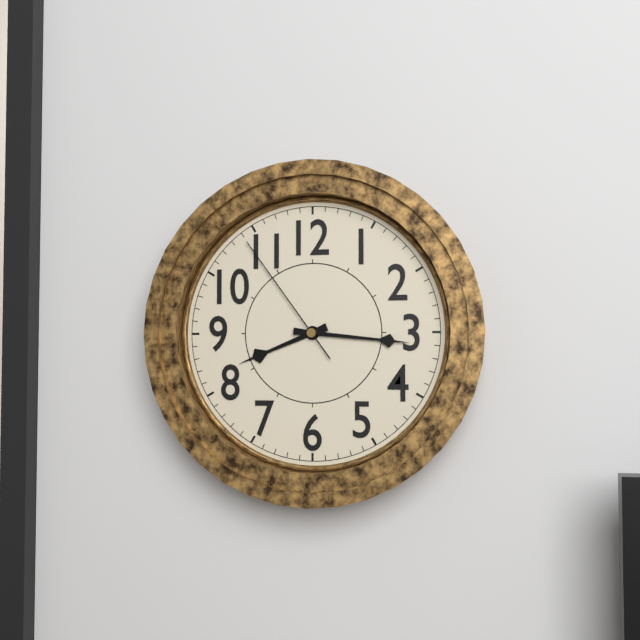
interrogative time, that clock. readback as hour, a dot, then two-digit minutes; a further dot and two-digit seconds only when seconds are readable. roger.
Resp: 8.16.54
